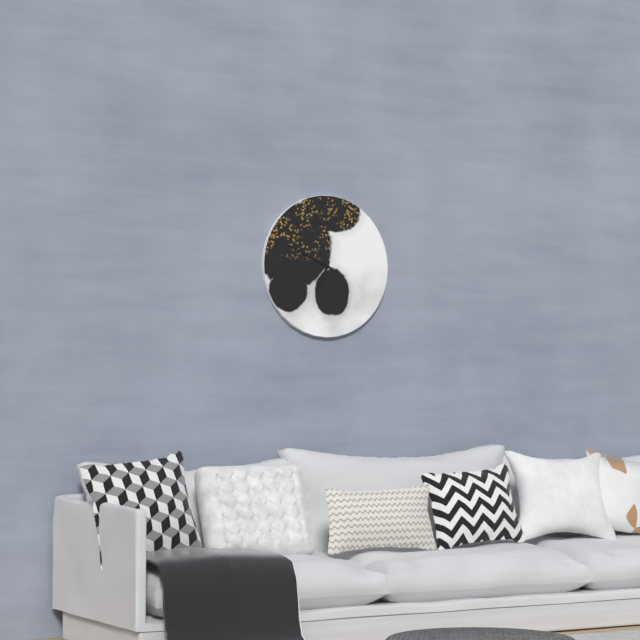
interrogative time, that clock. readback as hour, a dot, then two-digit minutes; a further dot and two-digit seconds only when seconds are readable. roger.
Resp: 6.49
